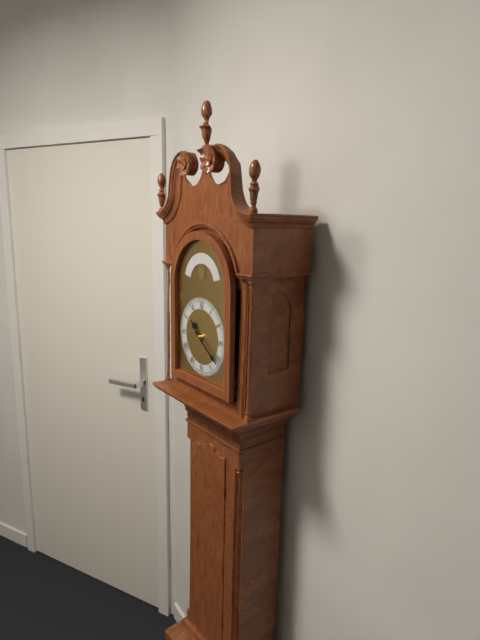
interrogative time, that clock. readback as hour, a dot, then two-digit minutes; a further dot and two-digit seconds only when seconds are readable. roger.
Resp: 10.21
